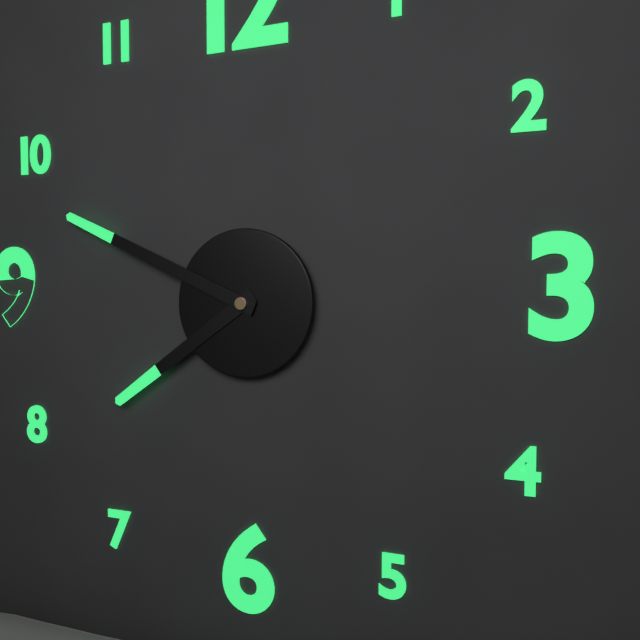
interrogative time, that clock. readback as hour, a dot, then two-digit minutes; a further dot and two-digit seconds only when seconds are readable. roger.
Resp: 7.49
